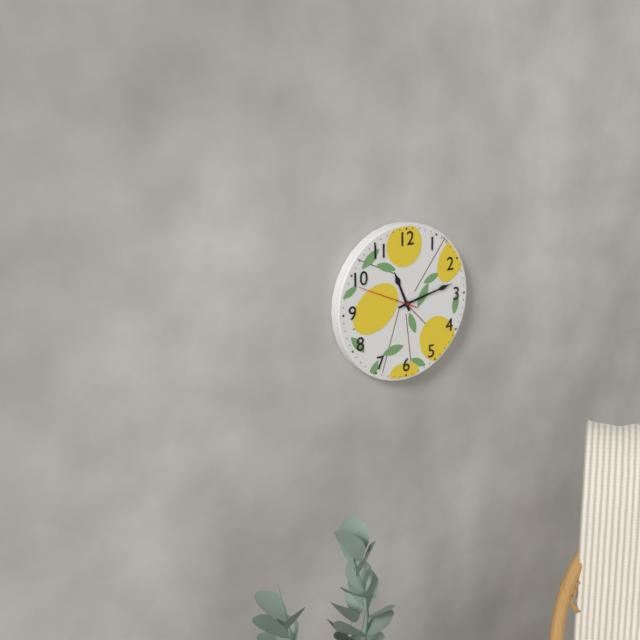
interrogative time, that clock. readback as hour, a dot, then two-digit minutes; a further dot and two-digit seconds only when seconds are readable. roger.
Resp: 11.13.49
